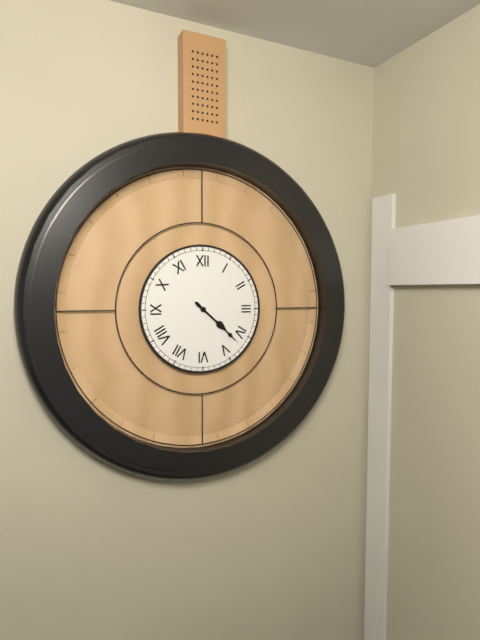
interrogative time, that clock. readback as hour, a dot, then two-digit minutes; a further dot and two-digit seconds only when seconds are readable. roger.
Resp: 4.22
